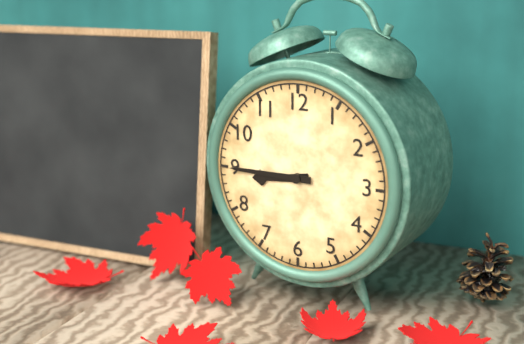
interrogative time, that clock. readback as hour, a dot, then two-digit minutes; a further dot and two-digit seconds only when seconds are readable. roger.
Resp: 8.45
